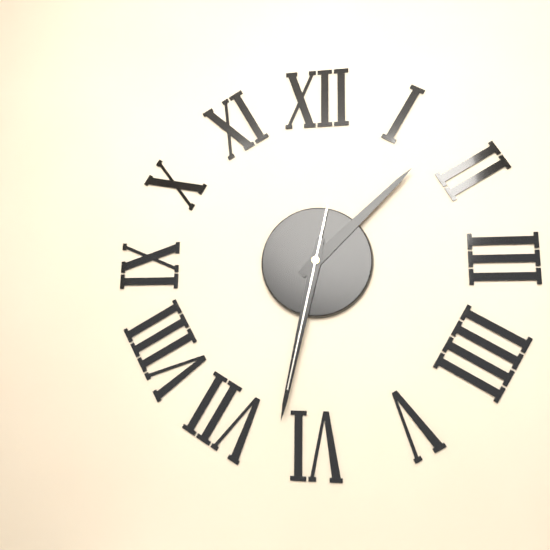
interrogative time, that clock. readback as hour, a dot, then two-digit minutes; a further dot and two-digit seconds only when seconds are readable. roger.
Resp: 1.32.32
